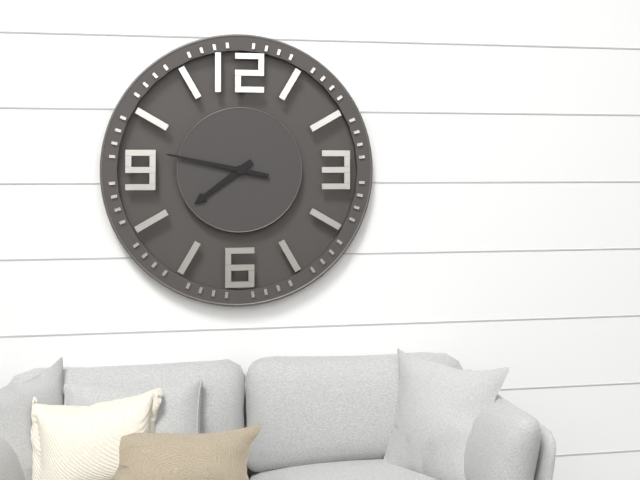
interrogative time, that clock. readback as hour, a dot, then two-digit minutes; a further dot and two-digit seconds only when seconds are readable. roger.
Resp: 7.47
